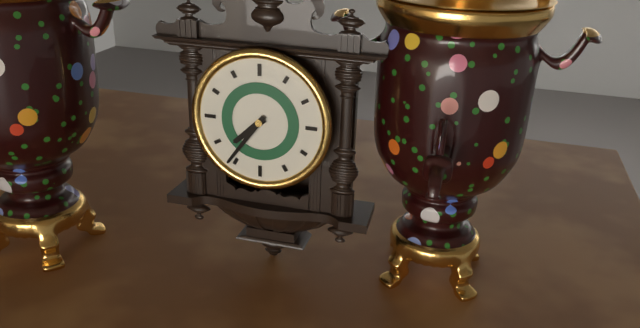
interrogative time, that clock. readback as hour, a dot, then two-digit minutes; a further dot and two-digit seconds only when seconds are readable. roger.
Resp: 7.36
